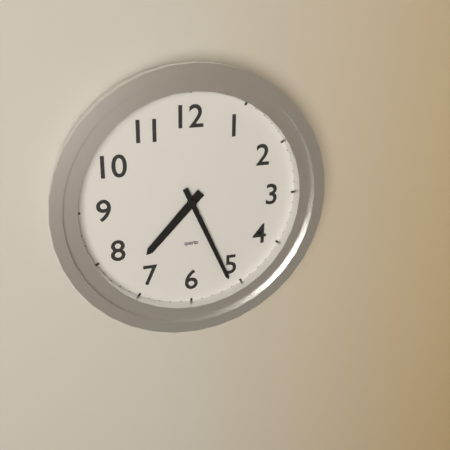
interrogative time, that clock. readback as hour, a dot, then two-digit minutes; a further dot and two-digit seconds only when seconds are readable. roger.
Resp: 7.26
